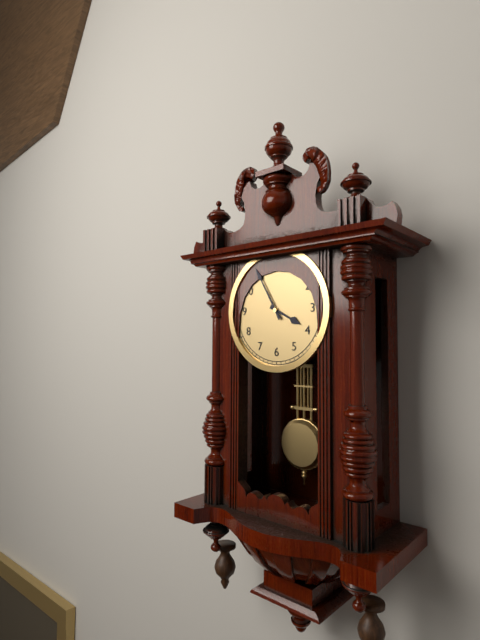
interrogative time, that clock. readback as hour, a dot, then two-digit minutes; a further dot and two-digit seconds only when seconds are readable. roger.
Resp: 3.55
